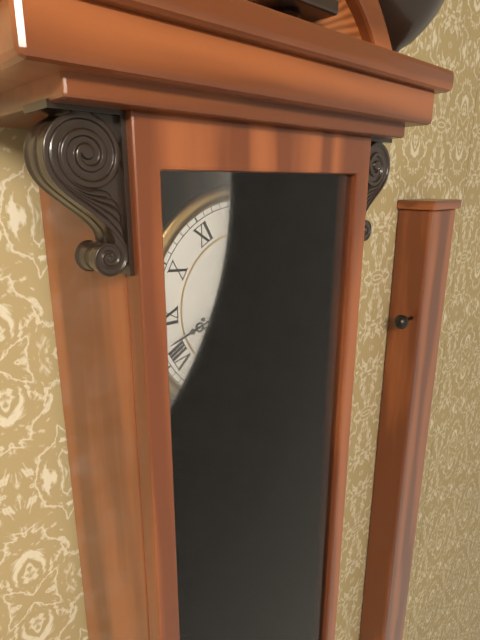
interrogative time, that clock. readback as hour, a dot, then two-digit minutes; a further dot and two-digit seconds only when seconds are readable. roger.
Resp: 2.42
